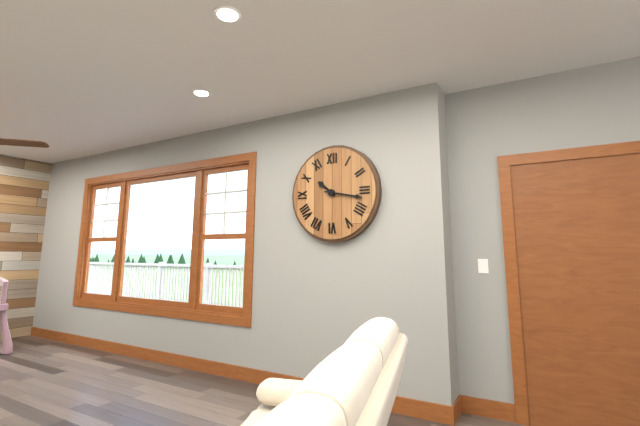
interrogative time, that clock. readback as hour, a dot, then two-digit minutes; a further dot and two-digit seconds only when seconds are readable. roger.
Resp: 10.17
